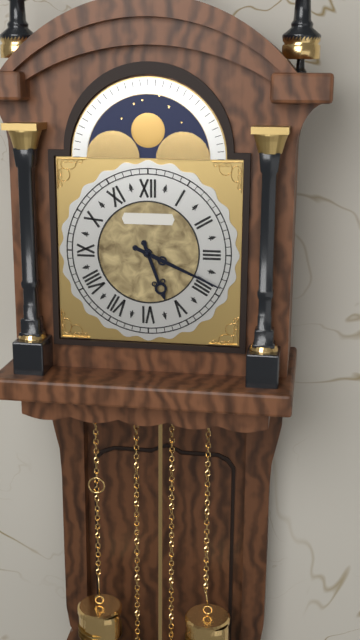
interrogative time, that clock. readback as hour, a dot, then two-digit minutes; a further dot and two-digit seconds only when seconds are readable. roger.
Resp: 5.19
